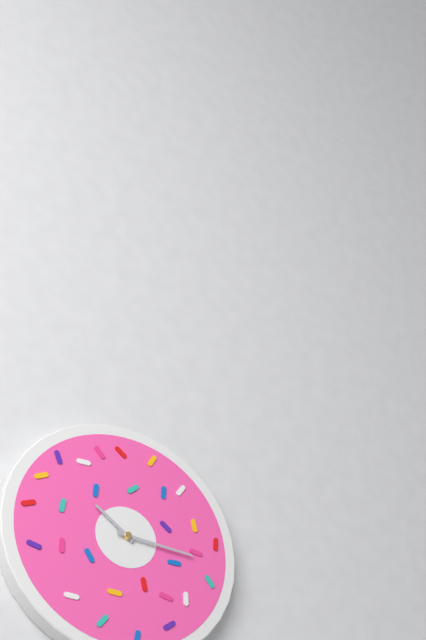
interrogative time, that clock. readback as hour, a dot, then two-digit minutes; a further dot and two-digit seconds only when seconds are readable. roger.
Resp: 10.16
